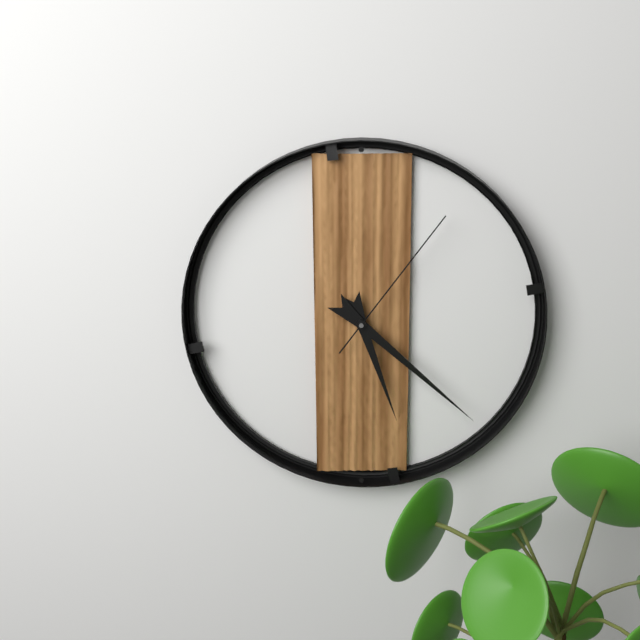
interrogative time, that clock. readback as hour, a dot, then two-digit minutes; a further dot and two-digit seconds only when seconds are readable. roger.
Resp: 5.22.06
